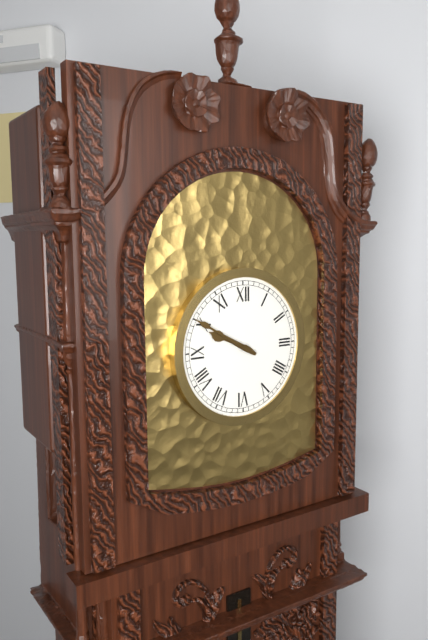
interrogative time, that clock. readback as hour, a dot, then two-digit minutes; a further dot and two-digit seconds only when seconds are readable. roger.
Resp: 9.50
